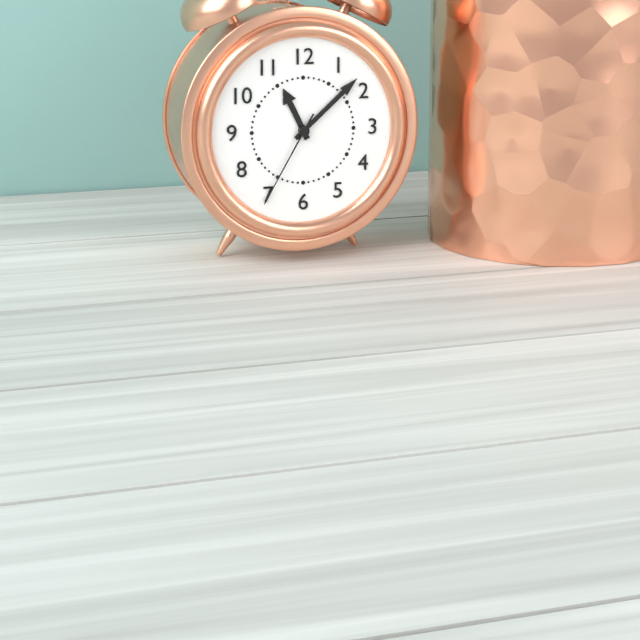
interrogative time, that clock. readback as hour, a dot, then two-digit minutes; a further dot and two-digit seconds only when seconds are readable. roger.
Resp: 11.08.35
